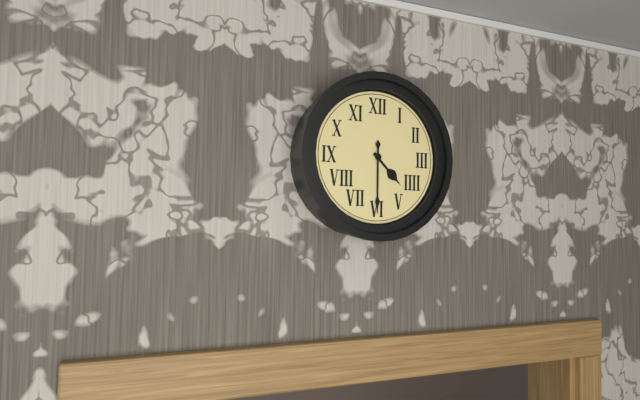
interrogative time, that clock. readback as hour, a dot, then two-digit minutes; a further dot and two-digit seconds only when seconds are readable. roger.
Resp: 4.30
